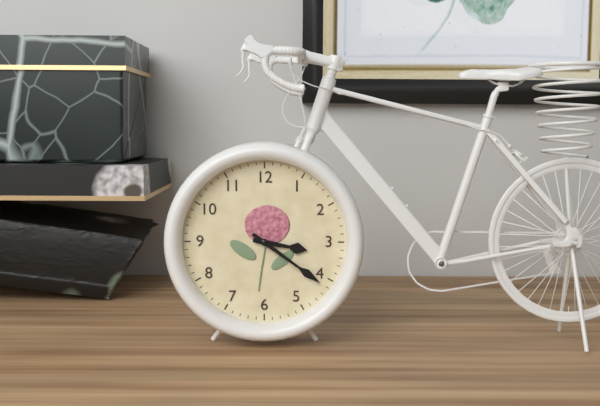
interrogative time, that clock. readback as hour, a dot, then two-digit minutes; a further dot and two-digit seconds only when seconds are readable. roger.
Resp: 3.21
